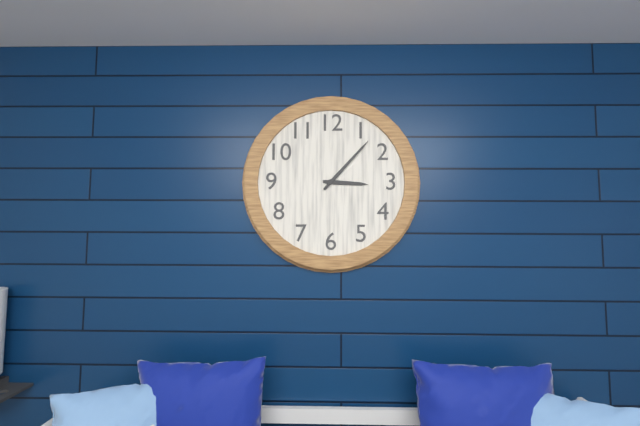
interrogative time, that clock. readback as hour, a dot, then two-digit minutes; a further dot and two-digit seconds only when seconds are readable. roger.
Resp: 3.07
